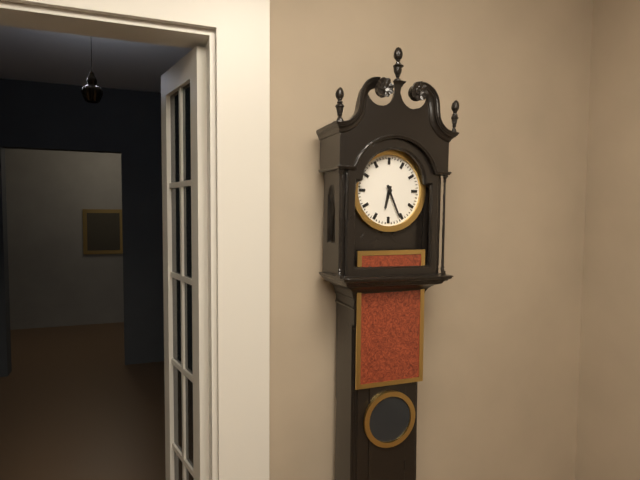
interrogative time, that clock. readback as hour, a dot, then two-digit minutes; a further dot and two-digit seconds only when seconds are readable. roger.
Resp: 6.26
